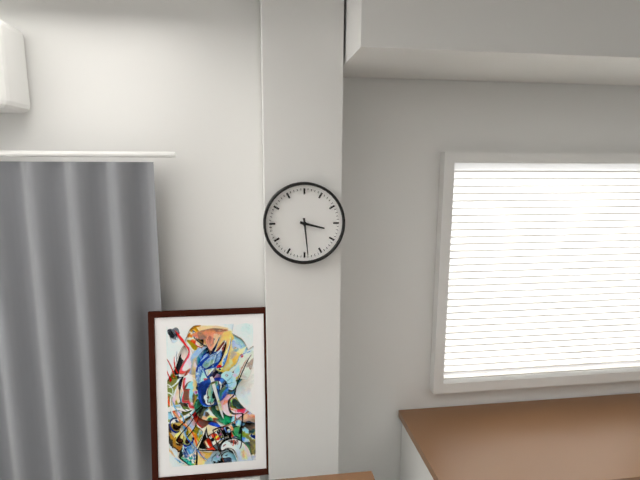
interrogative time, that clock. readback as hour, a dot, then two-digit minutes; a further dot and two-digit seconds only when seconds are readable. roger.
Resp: 3.29
